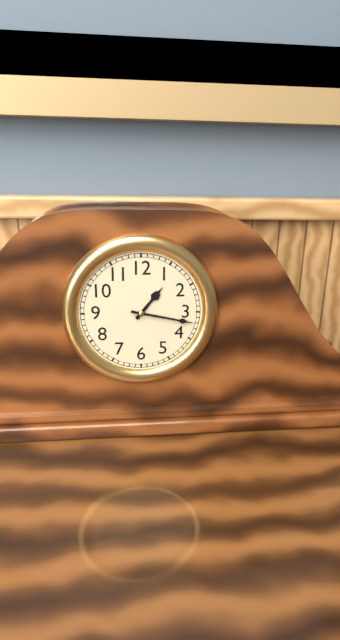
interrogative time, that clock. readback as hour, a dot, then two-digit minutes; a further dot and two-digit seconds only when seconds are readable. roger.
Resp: 1.17
